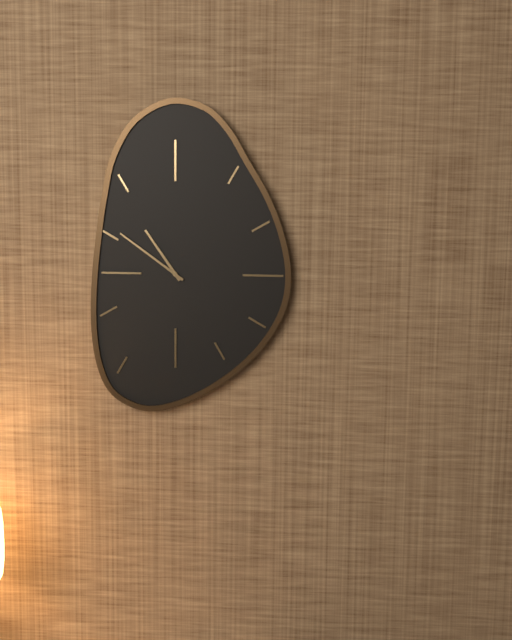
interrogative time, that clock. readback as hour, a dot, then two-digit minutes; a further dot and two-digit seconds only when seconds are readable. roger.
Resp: 10.51
